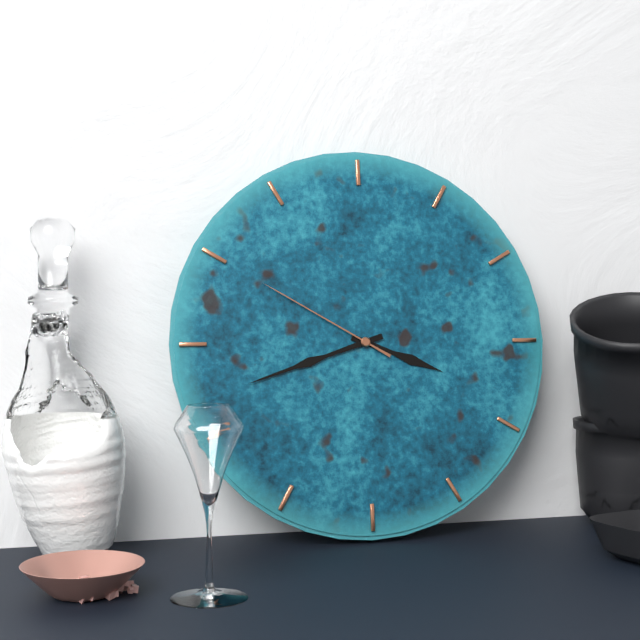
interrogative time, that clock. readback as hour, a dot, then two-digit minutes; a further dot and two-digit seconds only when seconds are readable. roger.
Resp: 3.42.50
